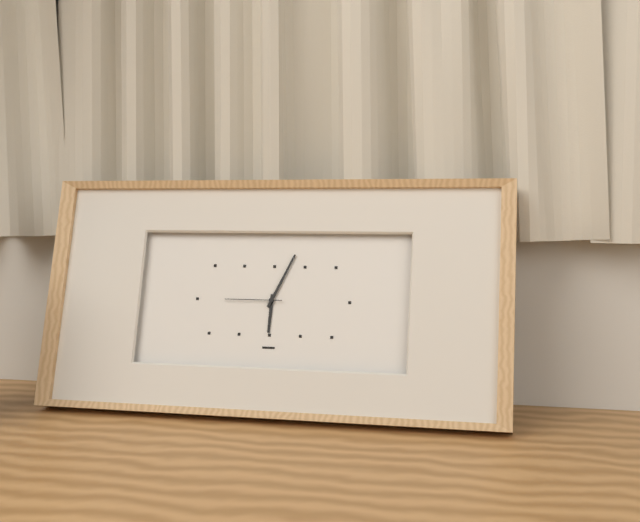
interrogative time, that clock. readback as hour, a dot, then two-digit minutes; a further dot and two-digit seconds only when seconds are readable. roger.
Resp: 6.04.45
